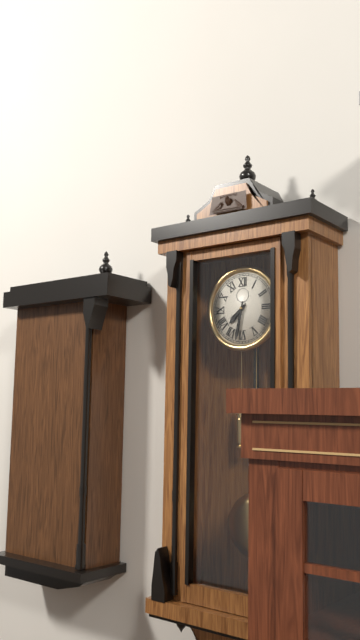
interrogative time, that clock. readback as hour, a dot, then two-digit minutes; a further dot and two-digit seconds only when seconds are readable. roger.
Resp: 7.32
